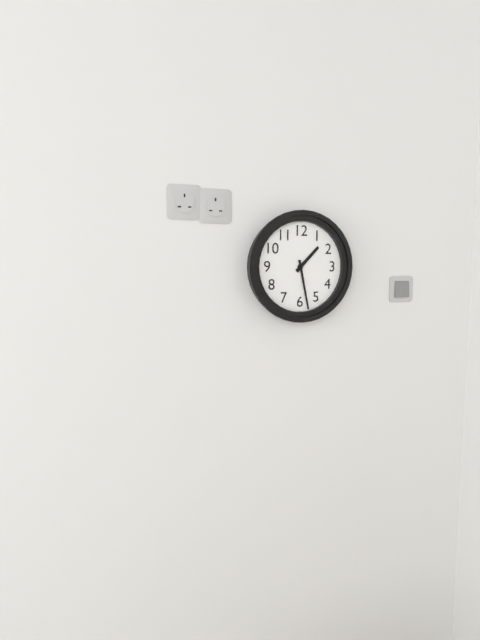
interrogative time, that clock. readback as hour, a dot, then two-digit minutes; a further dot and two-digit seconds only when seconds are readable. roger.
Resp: 1.28
